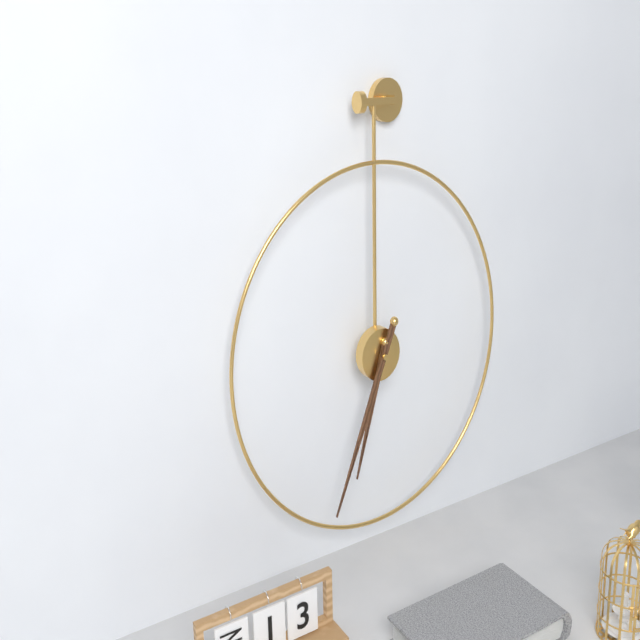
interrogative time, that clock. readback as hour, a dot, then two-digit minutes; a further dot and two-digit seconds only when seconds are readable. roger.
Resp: 6.34
